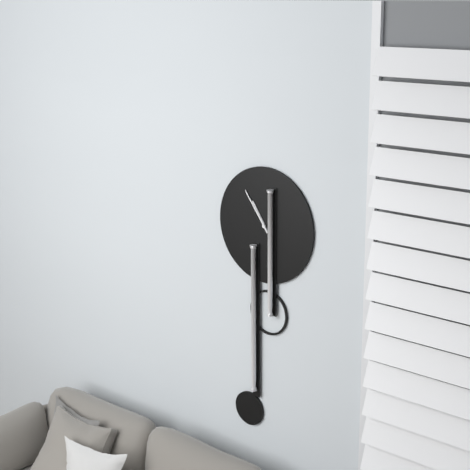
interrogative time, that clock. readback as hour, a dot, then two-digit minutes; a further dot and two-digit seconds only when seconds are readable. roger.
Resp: 10.54
